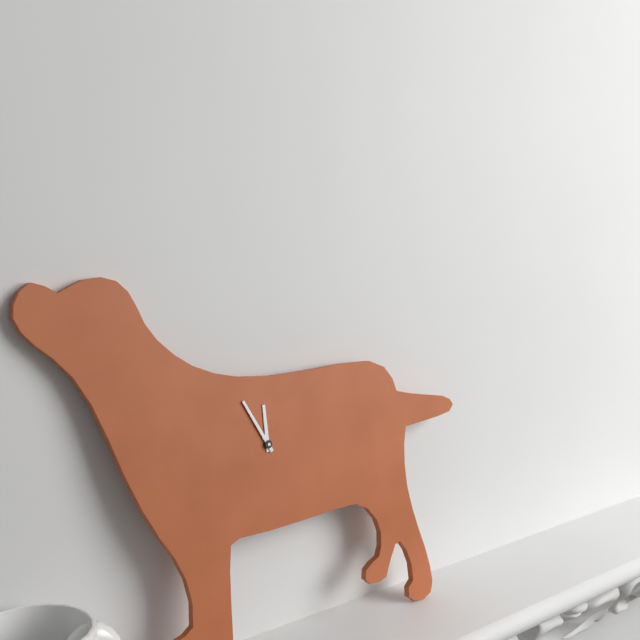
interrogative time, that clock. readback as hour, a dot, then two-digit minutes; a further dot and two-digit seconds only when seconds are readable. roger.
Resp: 11.55
